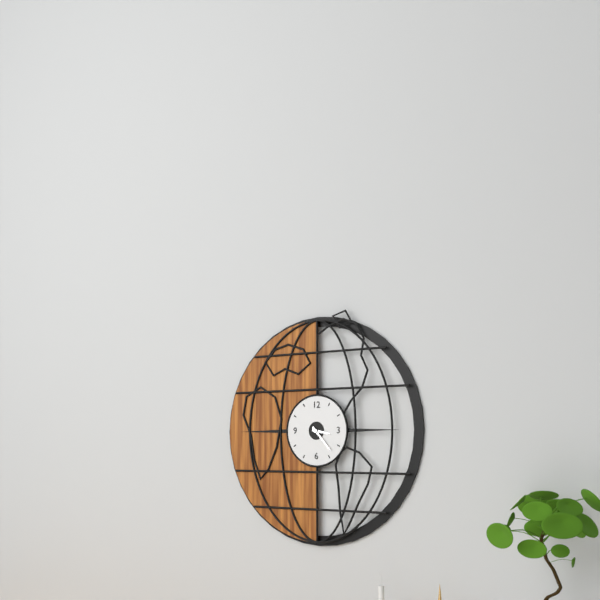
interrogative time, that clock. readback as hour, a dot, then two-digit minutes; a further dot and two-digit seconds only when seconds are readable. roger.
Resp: 3.23
